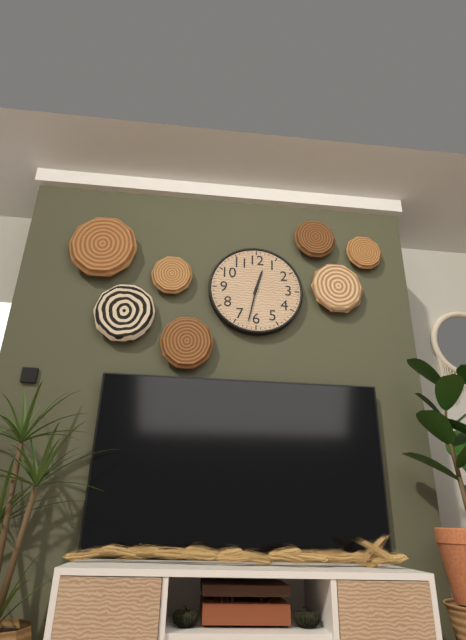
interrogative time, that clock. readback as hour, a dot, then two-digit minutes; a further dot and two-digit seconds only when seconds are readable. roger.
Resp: 12.32
